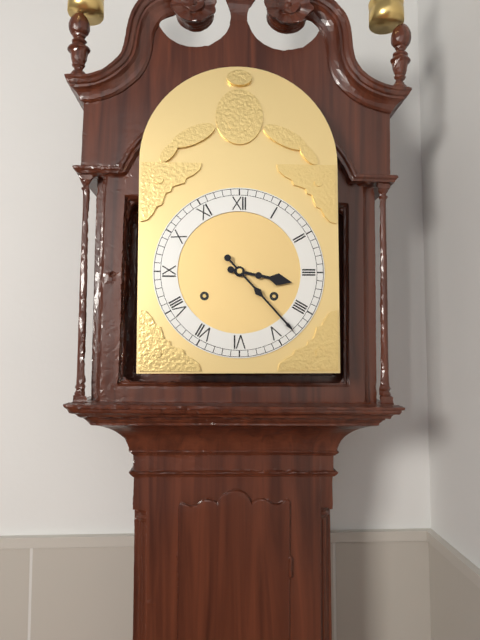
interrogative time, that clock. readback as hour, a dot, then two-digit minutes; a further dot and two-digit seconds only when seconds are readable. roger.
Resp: 3.23
